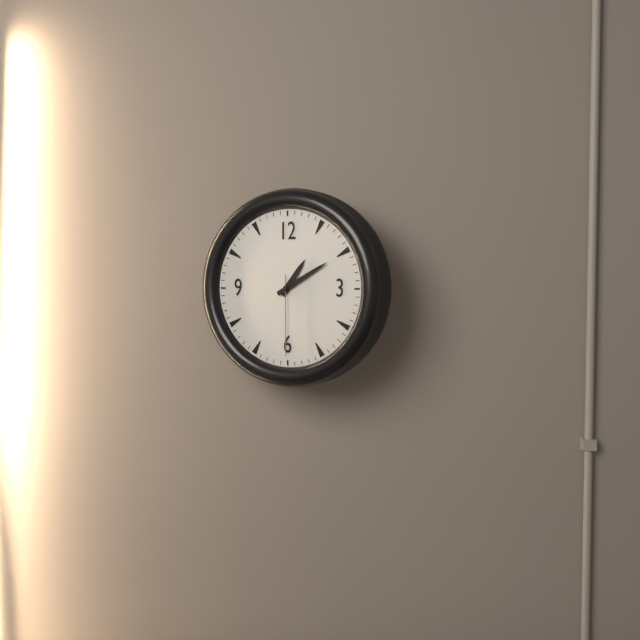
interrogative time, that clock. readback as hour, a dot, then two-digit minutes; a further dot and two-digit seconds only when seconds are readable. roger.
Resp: 1.10.30
